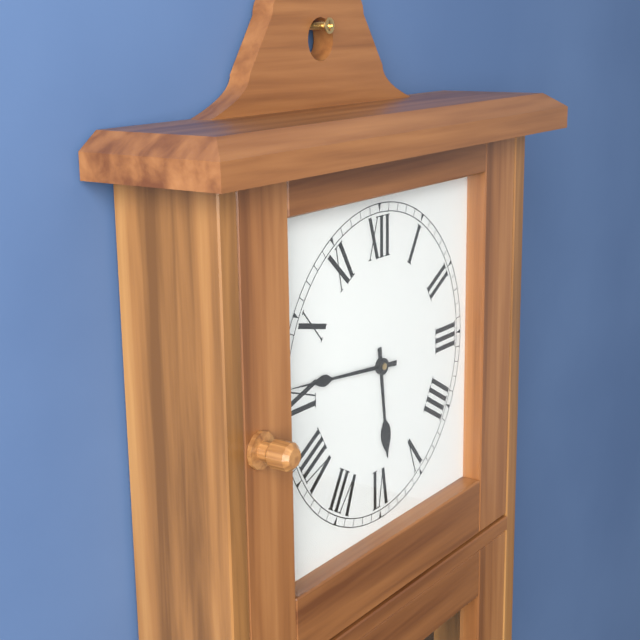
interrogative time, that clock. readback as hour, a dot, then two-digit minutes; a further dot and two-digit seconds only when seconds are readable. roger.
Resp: 5.46
